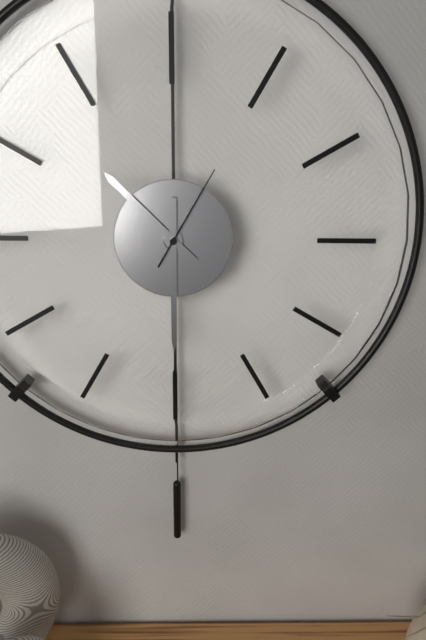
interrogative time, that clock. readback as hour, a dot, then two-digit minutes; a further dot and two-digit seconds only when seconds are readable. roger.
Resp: 10.30.05
